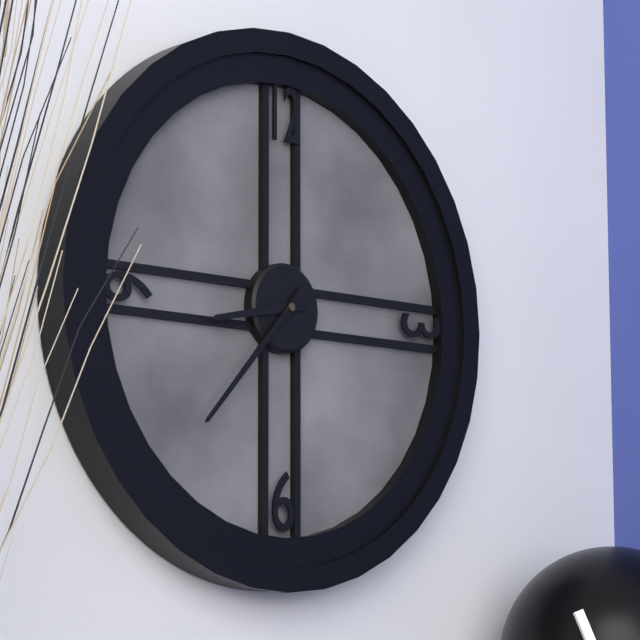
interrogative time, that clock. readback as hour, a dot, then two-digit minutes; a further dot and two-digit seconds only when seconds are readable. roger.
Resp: 8.37
